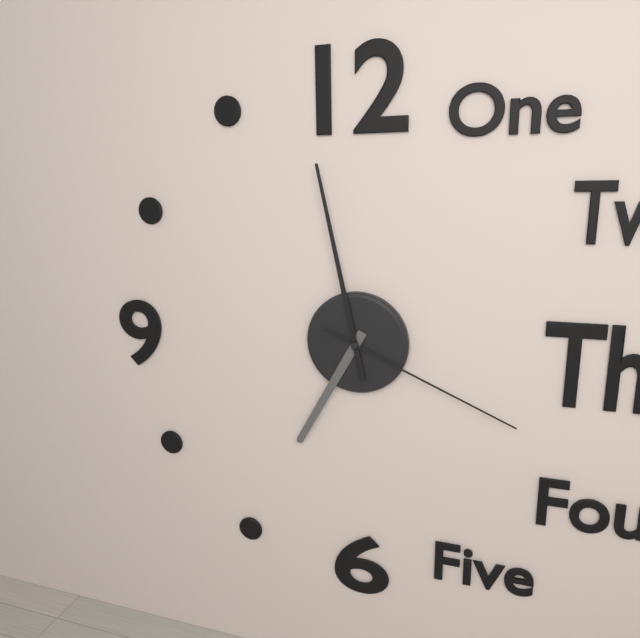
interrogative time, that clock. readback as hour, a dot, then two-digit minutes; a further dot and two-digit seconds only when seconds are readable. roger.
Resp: 6.58.19
